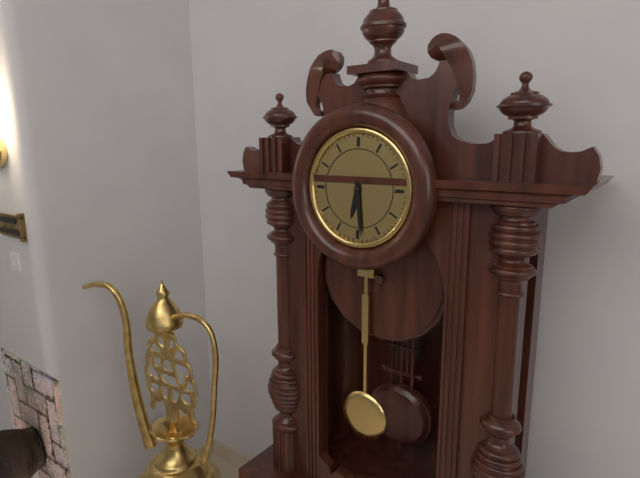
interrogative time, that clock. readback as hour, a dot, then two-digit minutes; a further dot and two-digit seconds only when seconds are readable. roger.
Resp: 6.29
